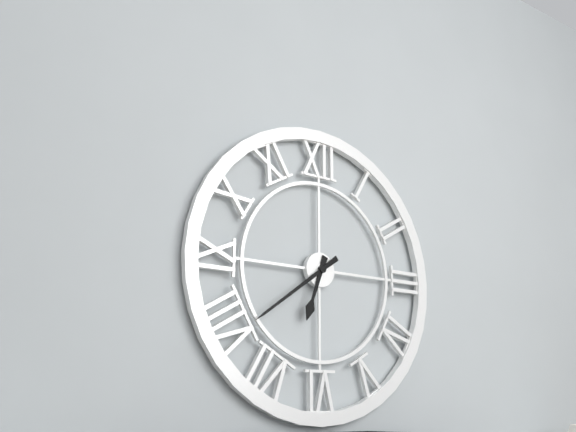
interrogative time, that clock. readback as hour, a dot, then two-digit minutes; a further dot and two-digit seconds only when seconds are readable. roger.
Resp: 6.39
